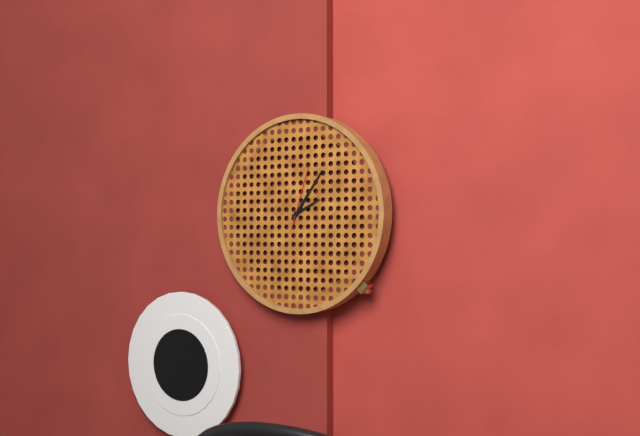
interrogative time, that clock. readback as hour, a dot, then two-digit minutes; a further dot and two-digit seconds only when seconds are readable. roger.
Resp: 2.06.03
